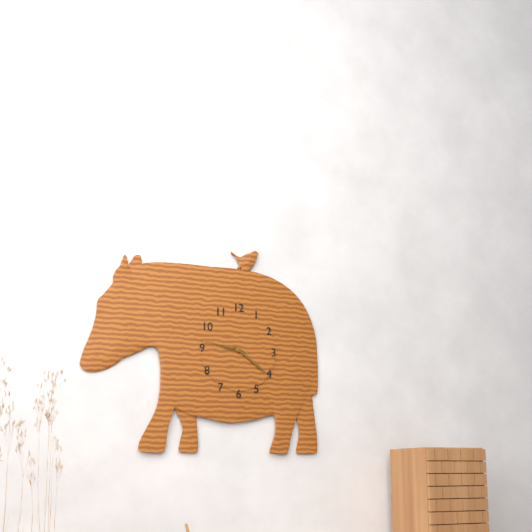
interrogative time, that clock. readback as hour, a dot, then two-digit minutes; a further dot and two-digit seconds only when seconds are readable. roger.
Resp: 9.21.47
